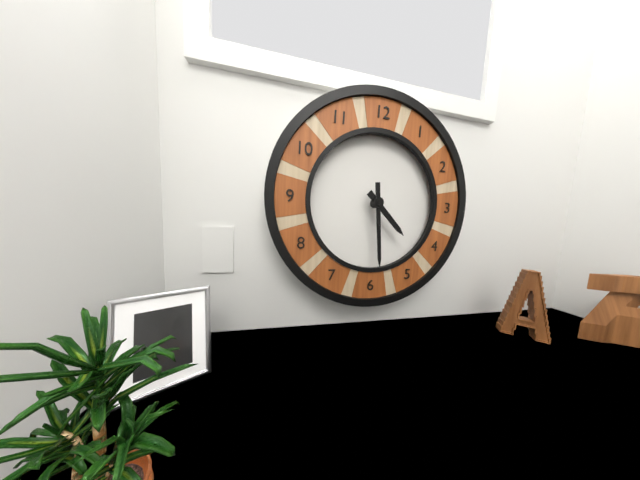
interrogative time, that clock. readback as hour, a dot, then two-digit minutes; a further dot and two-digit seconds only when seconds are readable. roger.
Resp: 4.29
